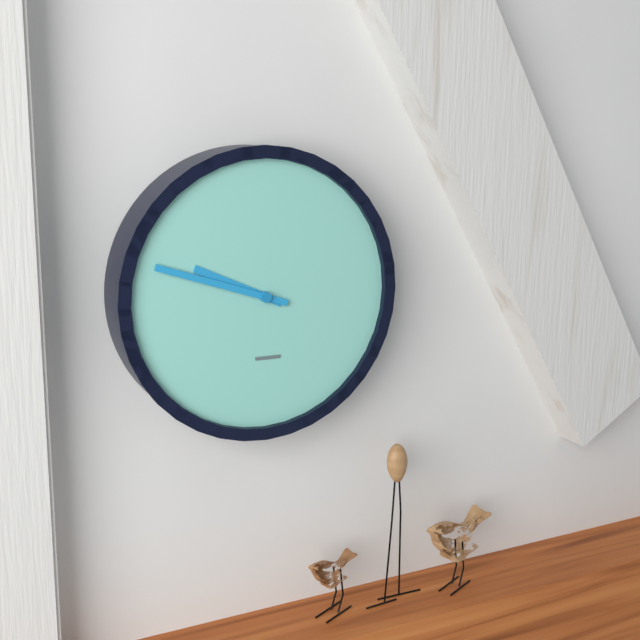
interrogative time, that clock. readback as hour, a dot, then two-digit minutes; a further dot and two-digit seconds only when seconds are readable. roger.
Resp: 9.48
